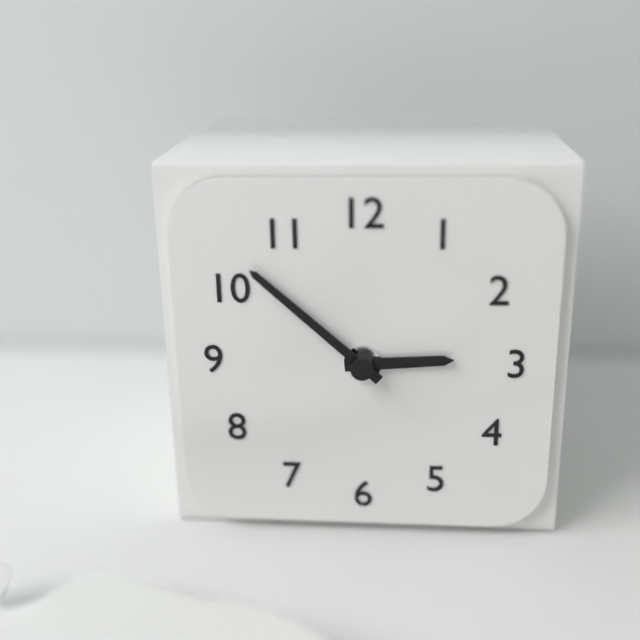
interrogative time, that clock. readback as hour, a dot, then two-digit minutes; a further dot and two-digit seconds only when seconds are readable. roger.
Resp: 2.52
